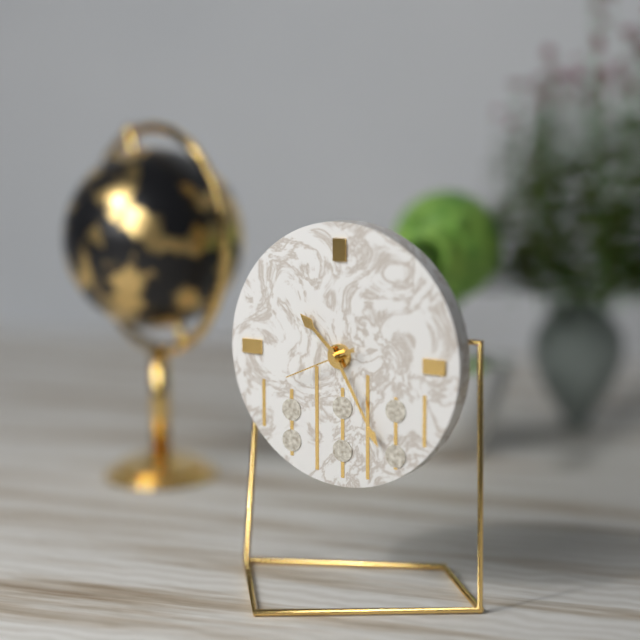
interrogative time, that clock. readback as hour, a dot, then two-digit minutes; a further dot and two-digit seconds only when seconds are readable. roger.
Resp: 10.25.41
